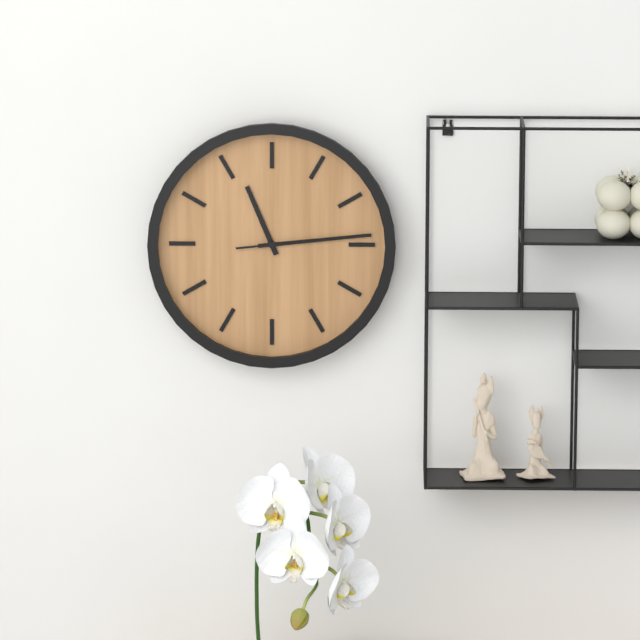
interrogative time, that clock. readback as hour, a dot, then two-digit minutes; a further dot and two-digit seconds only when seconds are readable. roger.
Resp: 11.14.14
